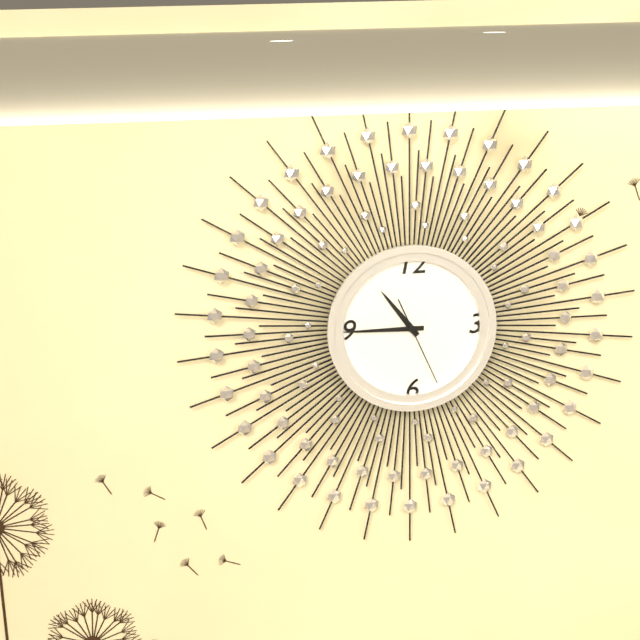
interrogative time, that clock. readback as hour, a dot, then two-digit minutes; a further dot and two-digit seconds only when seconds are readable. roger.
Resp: 10.45.26
